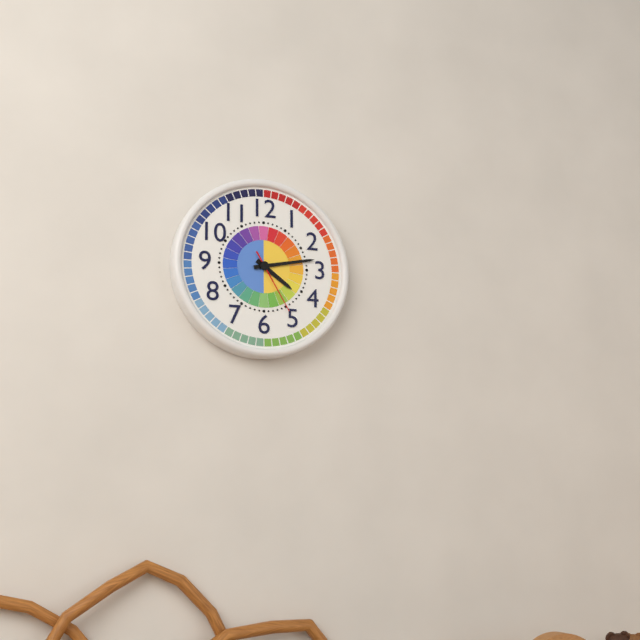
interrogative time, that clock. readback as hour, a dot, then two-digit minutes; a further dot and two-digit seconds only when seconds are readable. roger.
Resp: 4.13.25
